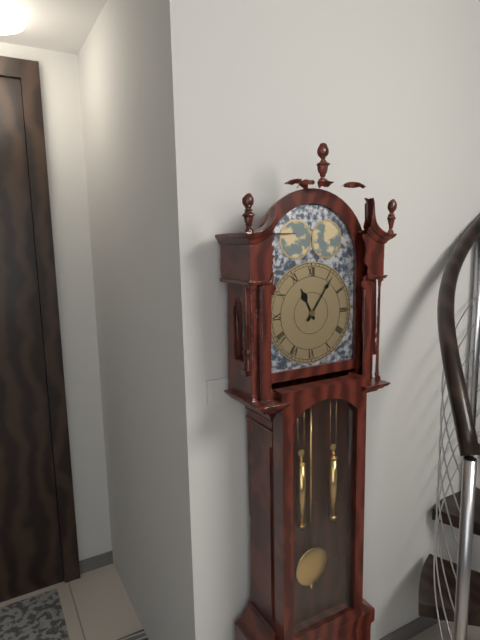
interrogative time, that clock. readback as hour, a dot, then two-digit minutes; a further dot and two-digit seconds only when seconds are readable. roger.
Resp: 11.06
